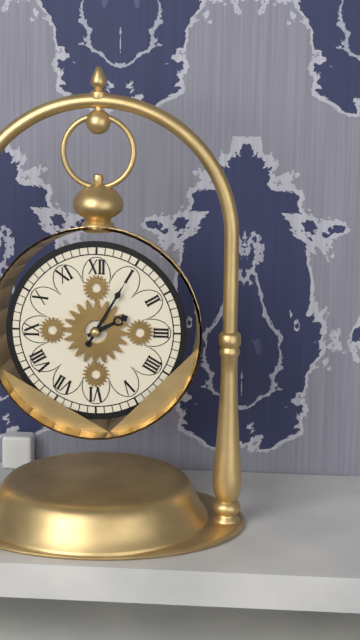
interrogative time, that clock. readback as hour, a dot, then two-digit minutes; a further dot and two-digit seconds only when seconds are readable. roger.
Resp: 2.05
